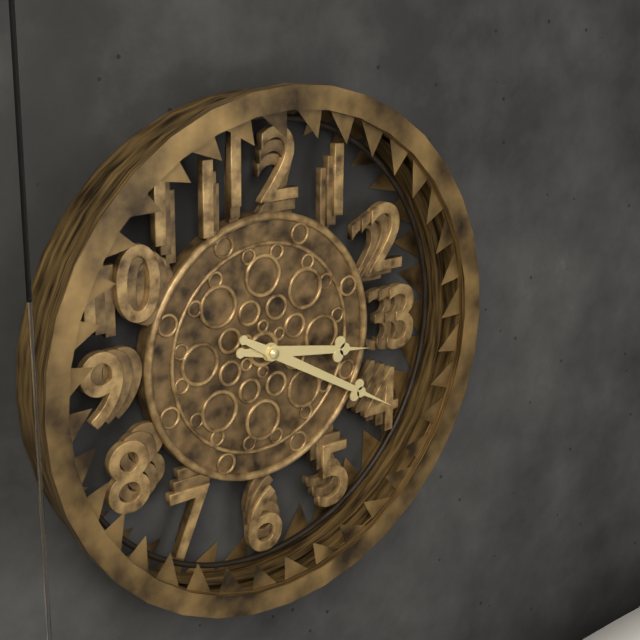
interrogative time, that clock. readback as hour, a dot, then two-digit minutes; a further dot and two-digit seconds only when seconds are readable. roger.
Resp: 3.20
